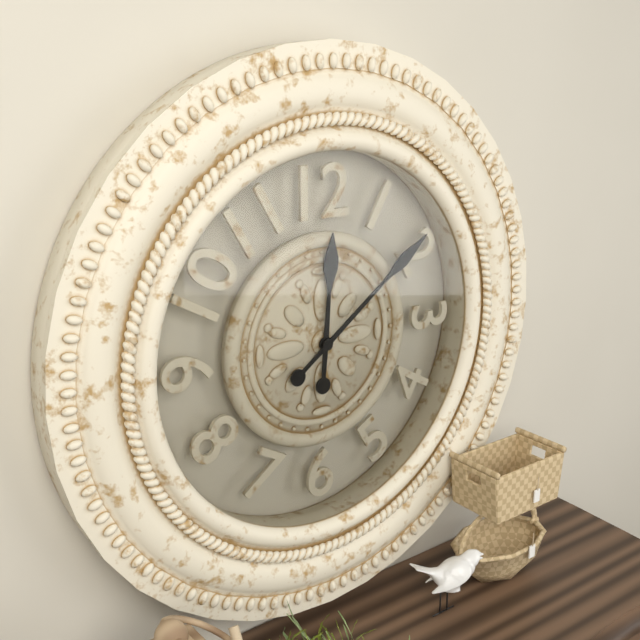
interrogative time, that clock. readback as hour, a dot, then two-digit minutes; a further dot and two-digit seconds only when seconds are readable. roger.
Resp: 12.09
